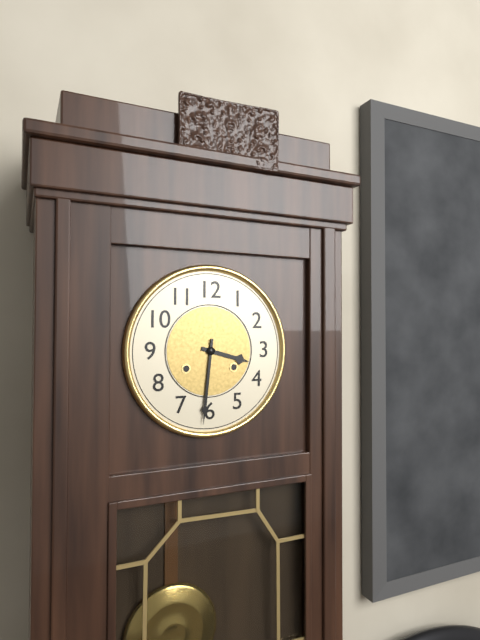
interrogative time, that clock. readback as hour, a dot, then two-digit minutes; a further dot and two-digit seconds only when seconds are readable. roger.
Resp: 3.31
